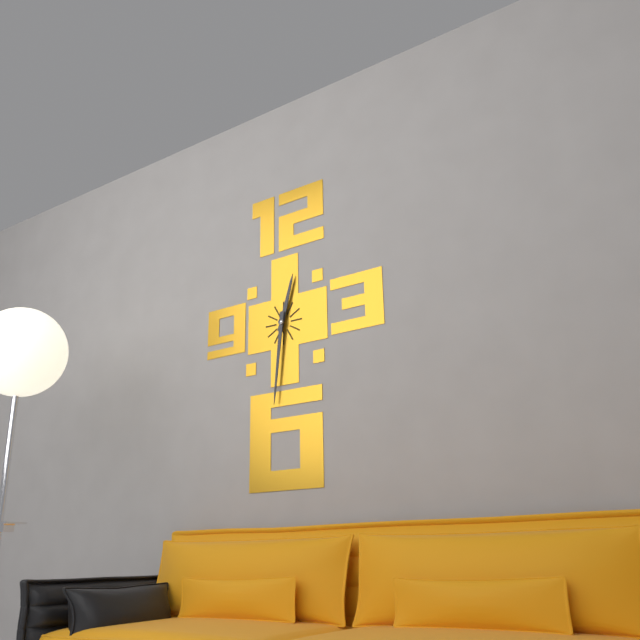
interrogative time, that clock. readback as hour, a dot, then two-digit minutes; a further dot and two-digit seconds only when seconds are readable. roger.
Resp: 12.31
